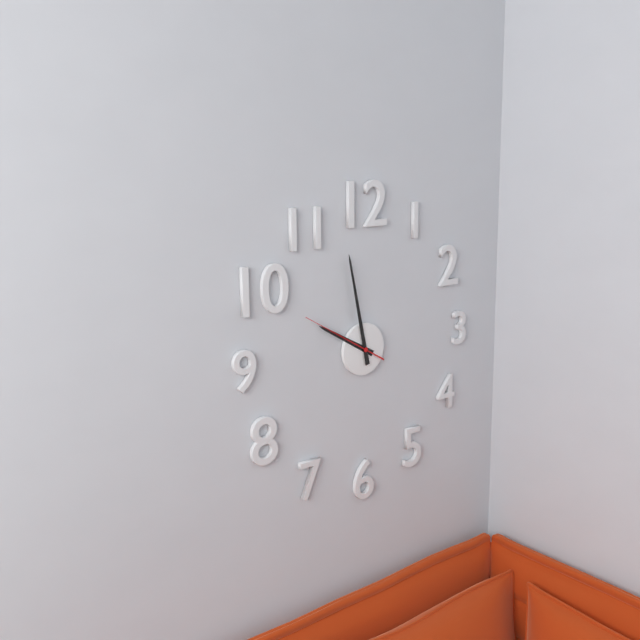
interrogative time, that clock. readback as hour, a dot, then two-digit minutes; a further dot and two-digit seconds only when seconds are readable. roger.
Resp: 9.58.50
